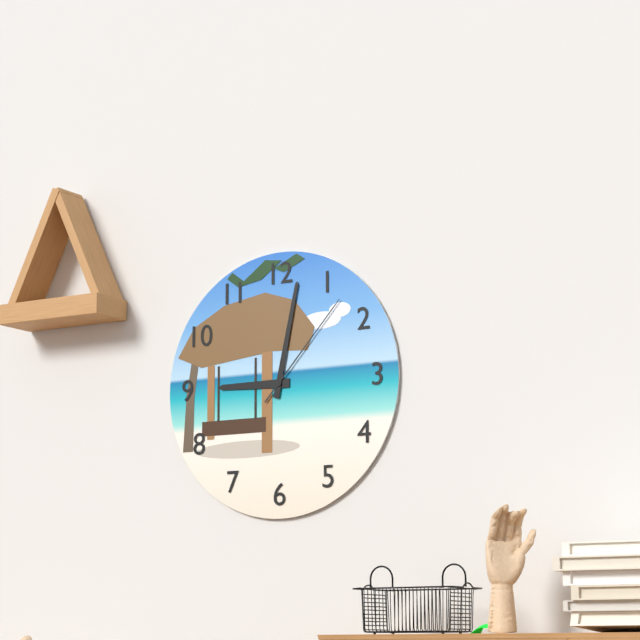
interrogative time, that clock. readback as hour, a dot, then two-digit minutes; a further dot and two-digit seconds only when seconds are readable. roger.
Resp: 9.02.07
